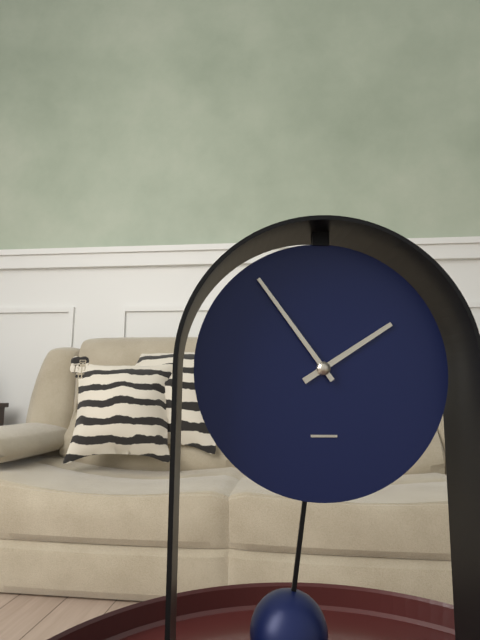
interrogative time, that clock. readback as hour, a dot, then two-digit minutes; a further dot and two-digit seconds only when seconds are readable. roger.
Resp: 1.54
